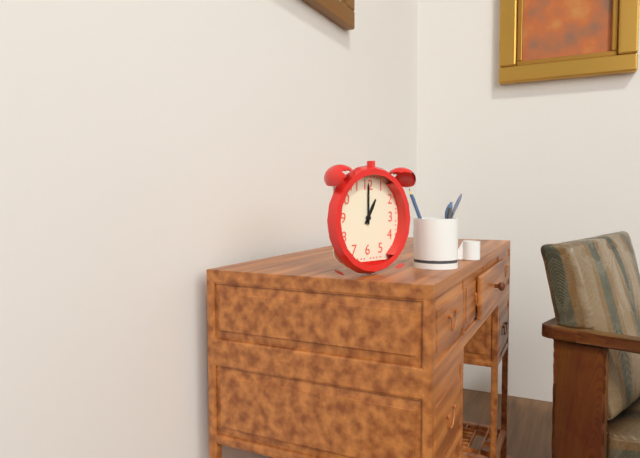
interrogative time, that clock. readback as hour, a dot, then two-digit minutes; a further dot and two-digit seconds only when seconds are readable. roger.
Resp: 1.00
